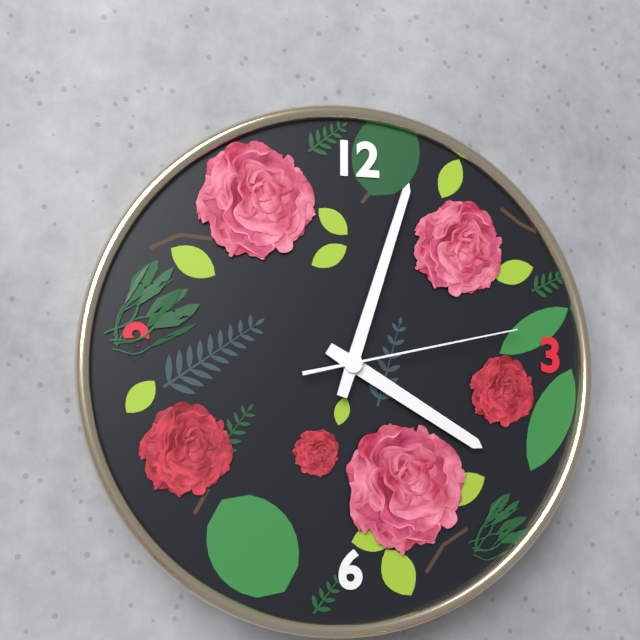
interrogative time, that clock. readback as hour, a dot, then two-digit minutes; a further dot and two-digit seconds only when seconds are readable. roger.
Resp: 4.03.13
